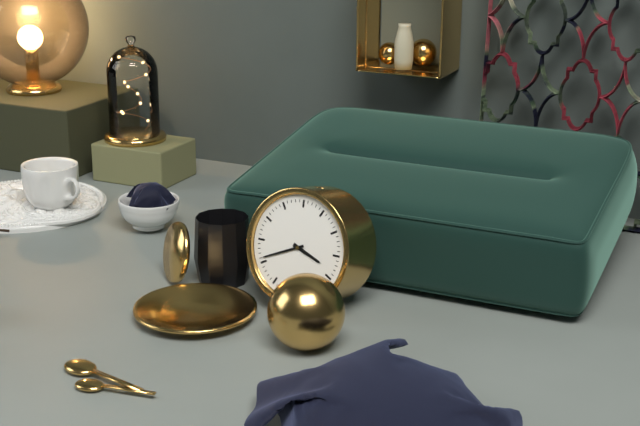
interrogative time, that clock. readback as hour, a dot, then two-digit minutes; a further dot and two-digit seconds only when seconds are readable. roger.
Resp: 3.41
